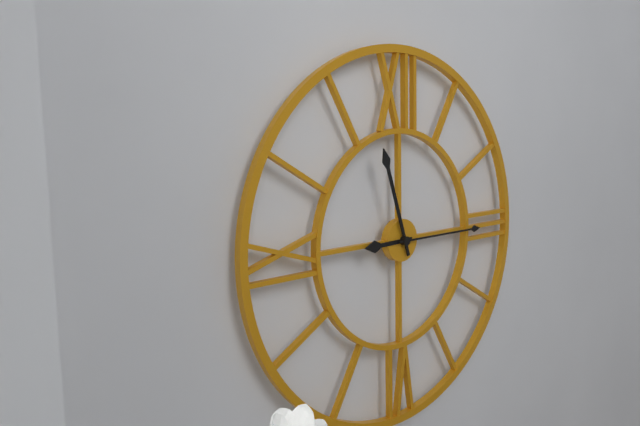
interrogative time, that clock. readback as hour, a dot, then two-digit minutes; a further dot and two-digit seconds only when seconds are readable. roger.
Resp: 8.57.15
